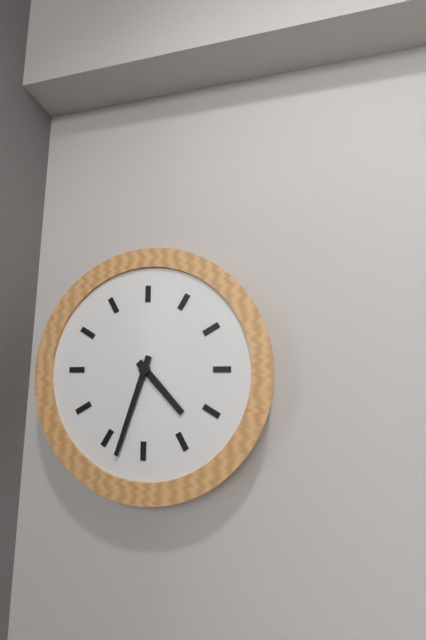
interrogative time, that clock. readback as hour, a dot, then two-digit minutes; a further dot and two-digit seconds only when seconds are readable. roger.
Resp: 4.33
